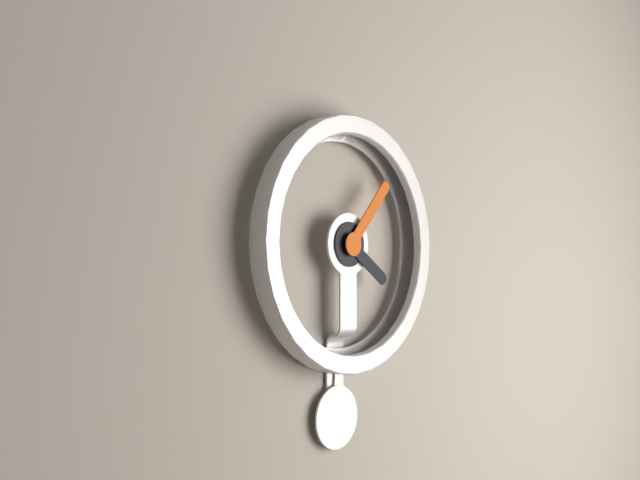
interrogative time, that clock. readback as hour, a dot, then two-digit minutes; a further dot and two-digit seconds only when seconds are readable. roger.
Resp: 4.07
